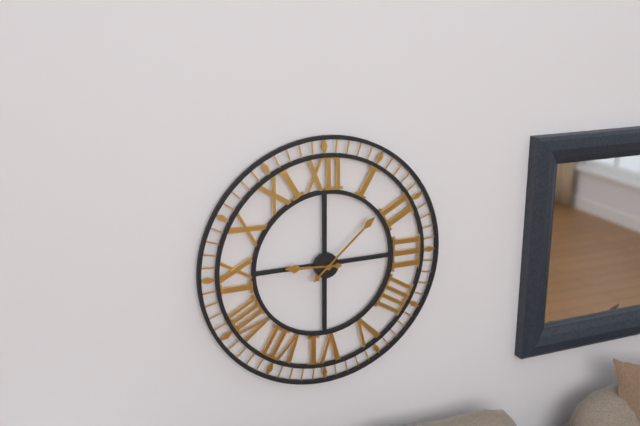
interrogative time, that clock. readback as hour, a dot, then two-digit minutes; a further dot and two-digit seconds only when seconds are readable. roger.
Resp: 9.08
